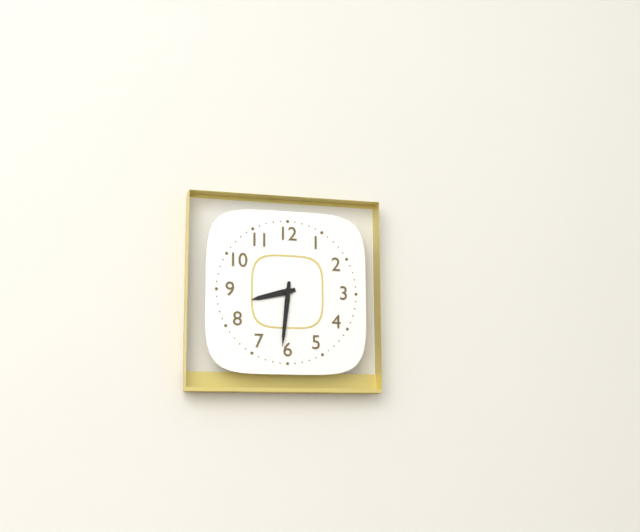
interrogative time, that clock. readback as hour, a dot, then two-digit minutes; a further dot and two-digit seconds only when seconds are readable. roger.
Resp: 8.31
